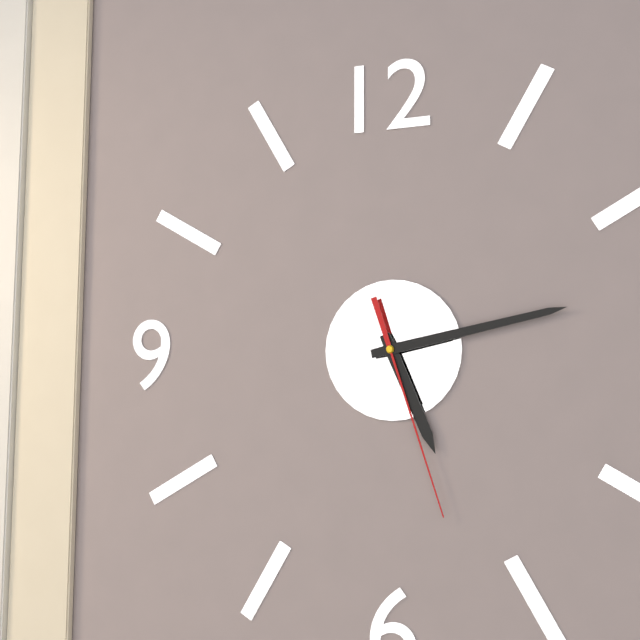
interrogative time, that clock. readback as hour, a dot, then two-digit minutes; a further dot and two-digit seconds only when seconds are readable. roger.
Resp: 5.13.27
